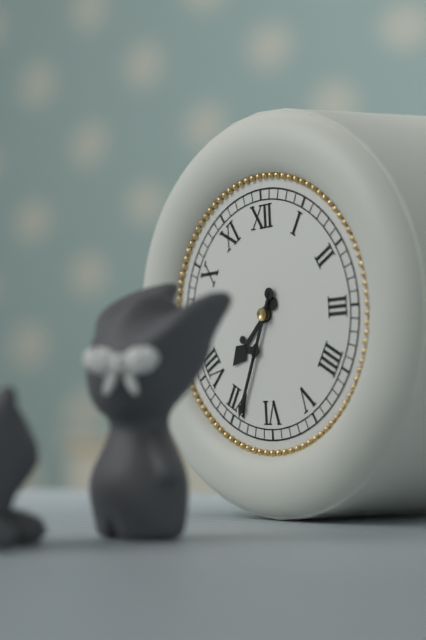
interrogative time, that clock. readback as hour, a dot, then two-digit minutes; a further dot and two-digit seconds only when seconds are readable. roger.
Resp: 7.34
